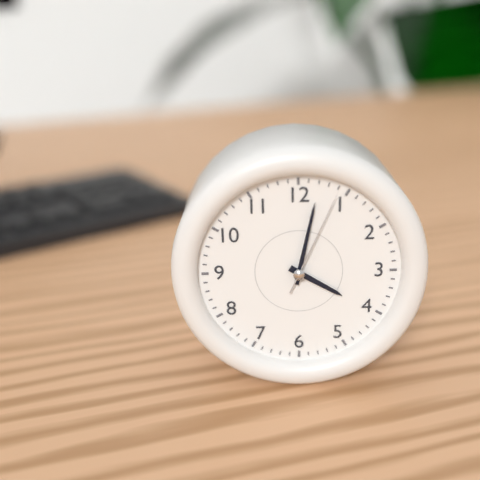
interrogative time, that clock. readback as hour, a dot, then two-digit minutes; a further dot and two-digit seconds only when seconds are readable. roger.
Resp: 4.02.04
